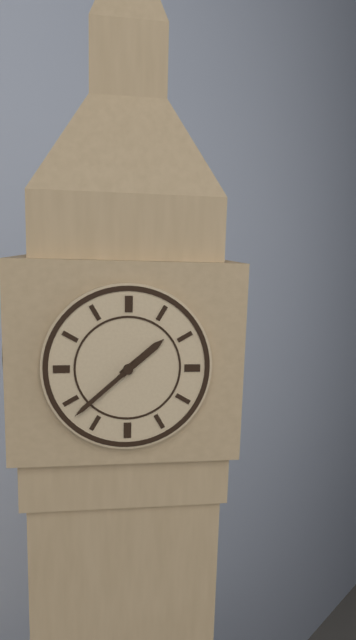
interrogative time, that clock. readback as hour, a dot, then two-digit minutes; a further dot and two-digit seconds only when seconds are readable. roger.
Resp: 1.38
